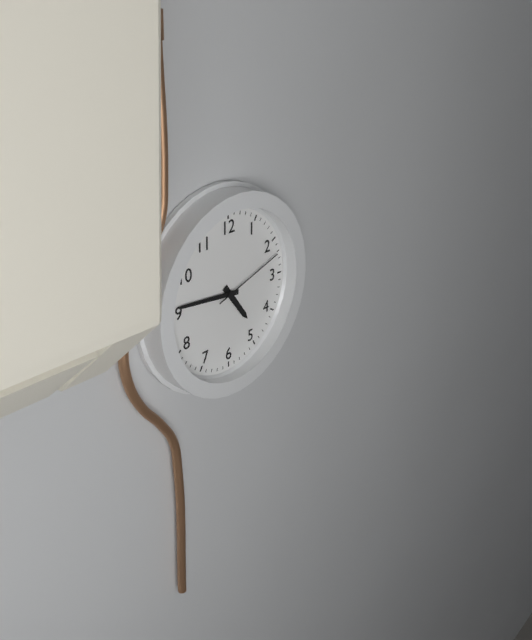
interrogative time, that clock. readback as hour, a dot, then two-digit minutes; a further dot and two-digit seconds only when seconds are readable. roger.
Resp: 4.46.12
